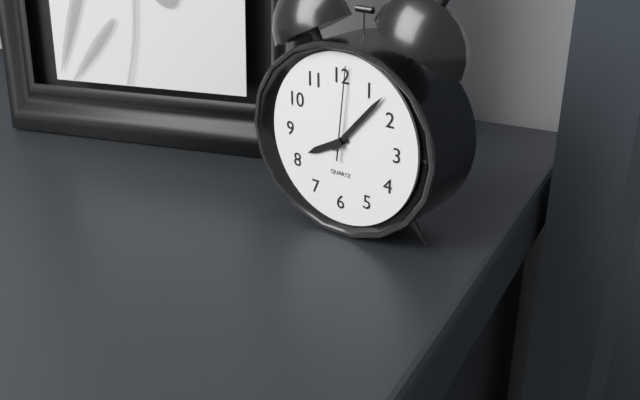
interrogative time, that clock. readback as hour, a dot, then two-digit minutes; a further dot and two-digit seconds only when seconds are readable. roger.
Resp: 8.07.01
